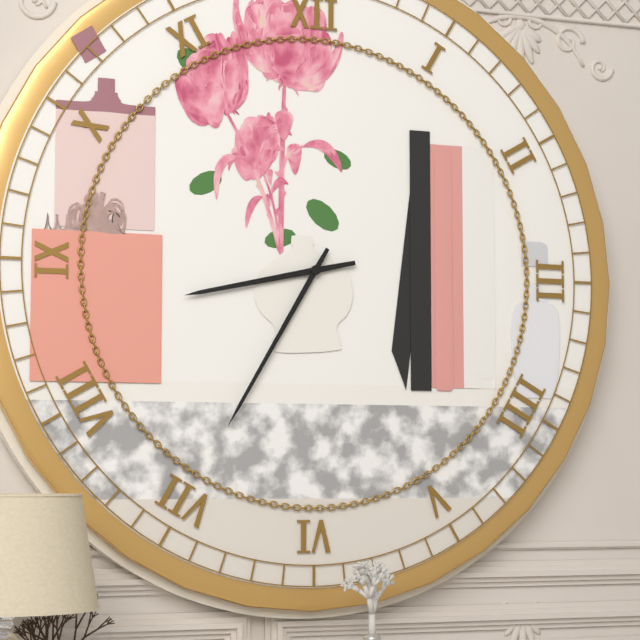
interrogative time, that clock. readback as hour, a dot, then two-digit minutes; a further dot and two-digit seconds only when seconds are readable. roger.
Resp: 8.35
